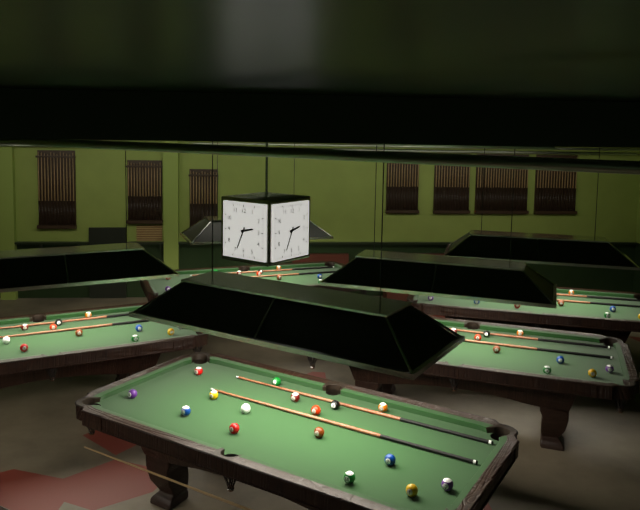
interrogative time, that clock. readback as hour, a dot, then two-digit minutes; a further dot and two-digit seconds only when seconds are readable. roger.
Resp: 2.34
